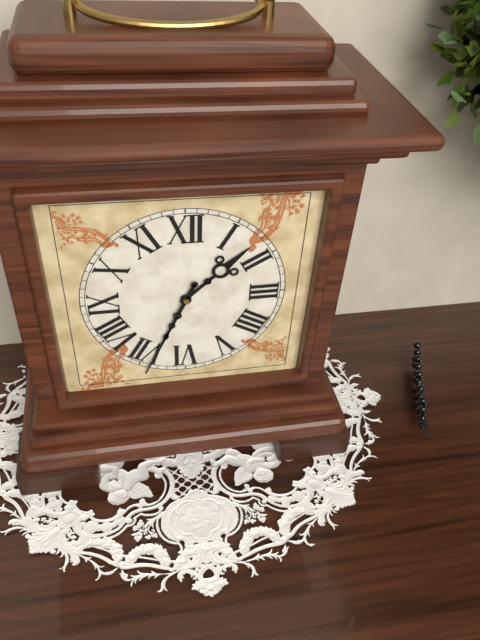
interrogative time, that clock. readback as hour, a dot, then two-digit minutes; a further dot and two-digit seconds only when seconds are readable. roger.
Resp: 1.34
